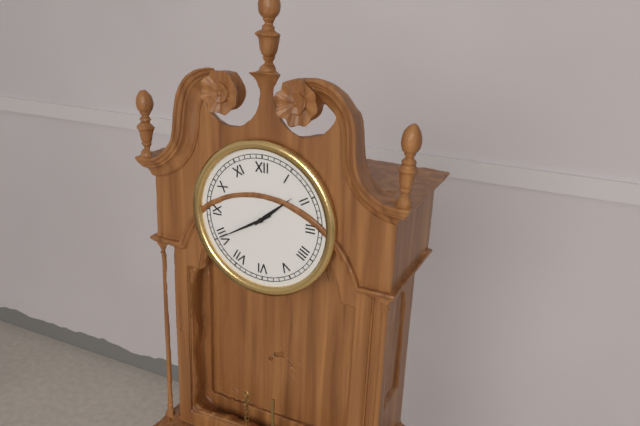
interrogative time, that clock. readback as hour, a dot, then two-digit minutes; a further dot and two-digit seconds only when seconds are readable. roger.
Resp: 1.40
